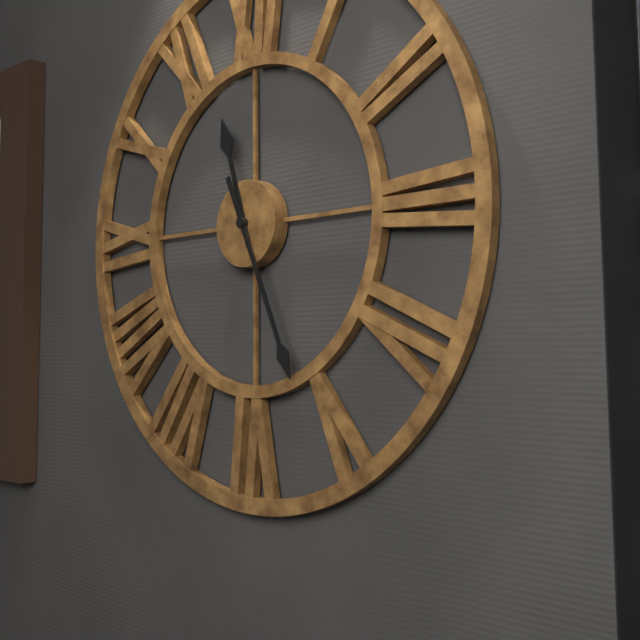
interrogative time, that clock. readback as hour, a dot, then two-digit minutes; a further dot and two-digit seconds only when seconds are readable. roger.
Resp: 11.26
